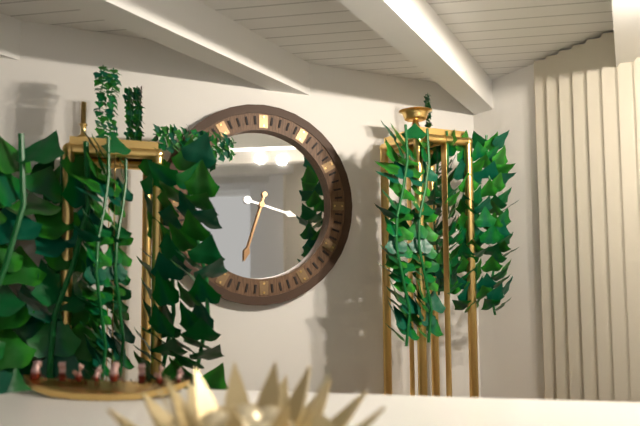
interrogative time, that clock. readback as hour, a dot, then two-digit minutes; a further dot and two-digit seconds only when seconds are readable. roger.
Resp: 3.33
